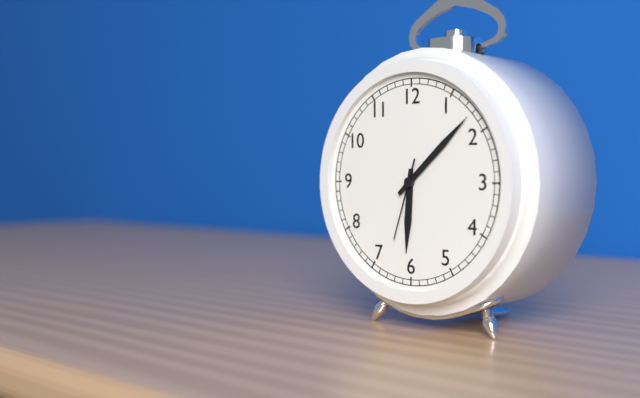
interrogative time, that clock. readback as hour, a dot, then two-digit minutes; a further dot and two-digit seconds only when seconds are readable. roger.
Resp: 6.08.33
